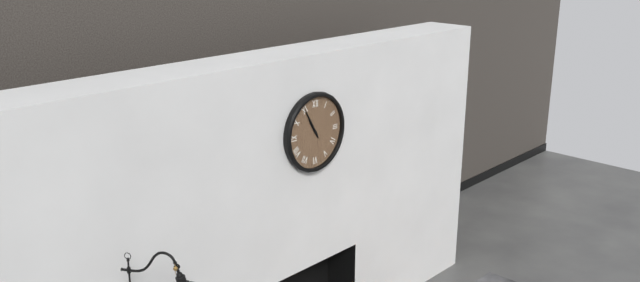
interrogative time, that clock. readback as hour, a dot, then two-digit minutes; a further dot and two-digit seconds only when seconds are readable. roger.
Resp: 10.55
